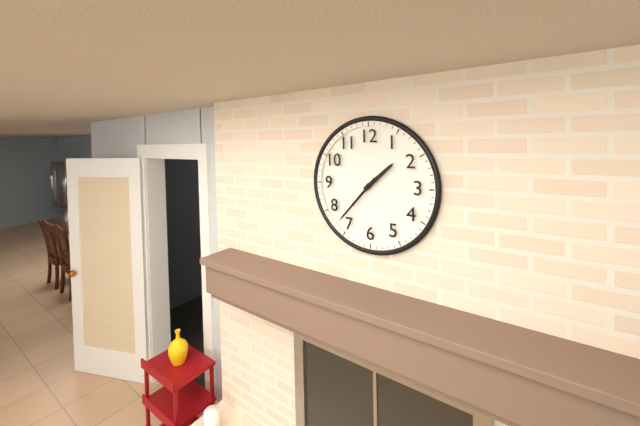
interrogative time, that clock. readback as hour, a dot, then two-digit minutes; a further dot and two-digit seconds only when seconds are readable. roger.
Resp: 1.37
